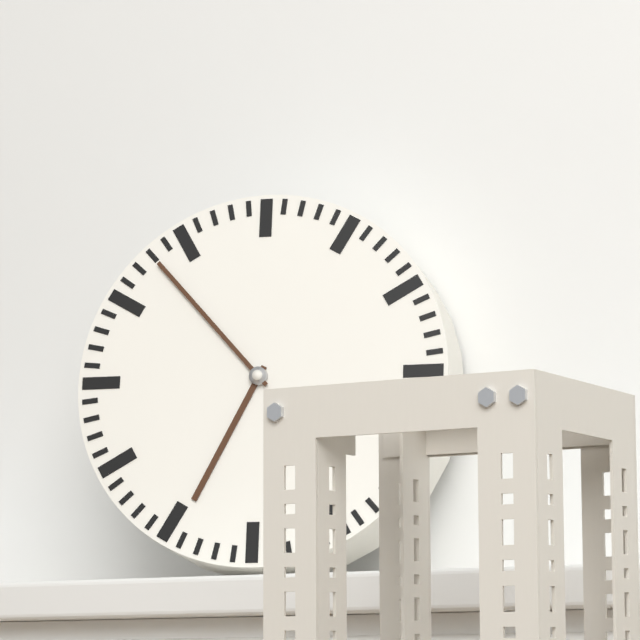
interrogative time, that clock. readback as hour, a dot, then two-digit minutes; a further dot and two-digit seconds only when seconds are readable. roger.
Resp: 6.53
